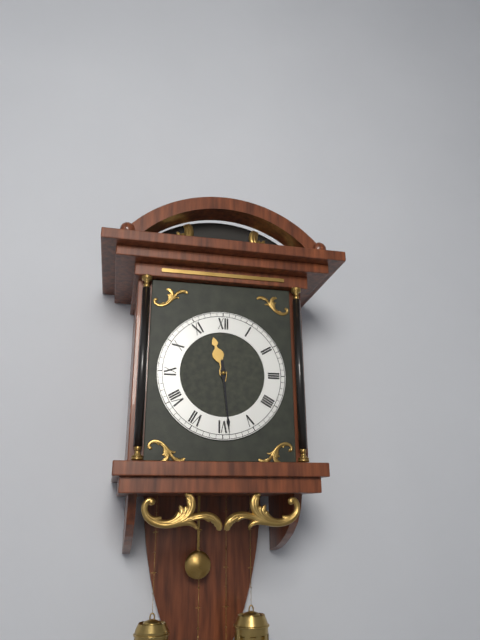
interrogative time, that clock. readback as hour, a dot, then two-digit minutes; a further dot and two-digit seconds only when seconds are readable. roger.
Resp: 11.29
